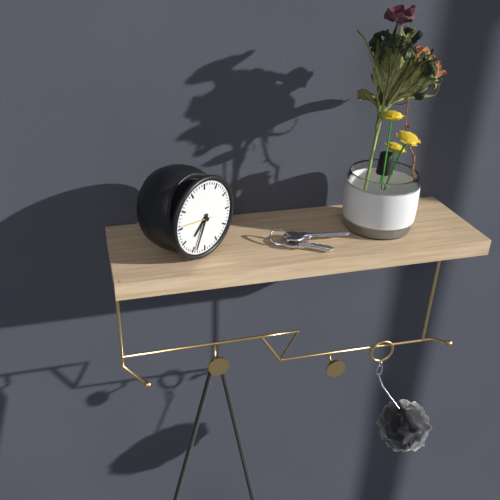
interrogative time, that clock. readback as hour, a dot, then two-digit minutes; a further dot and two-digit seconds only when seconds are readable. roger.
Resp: 7.34
